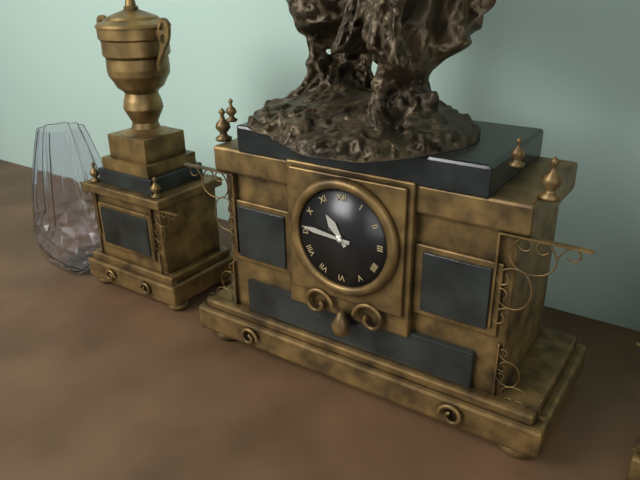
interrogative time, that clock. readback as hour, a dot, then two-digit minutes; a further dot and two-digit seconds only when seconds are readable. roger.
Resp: 10.46
